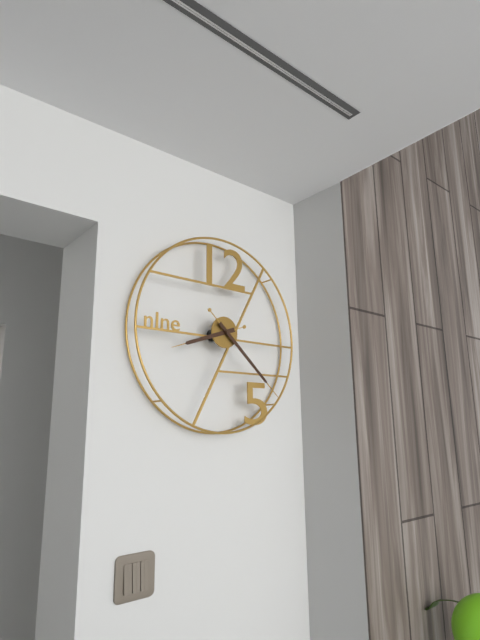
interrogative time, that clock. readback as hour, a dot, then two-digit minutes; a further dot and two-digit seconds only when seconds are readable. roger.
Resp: 8.22
